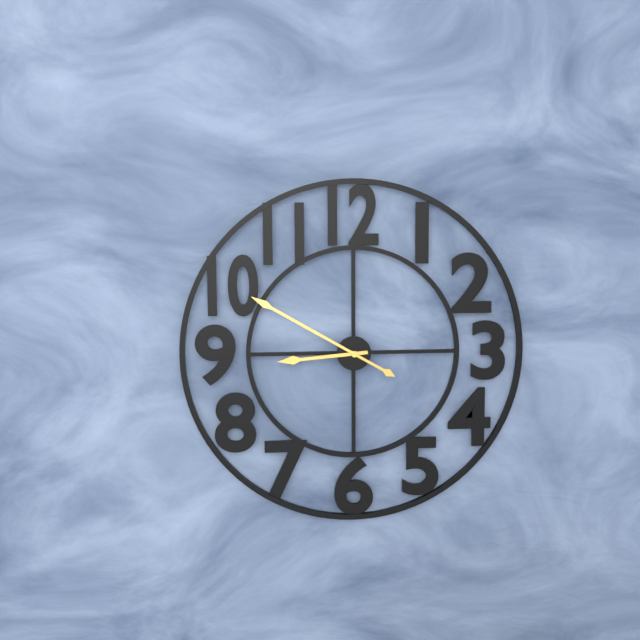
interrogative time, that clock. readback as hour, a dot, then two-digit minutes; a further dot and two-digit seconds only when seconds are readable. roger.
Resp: 8.50
